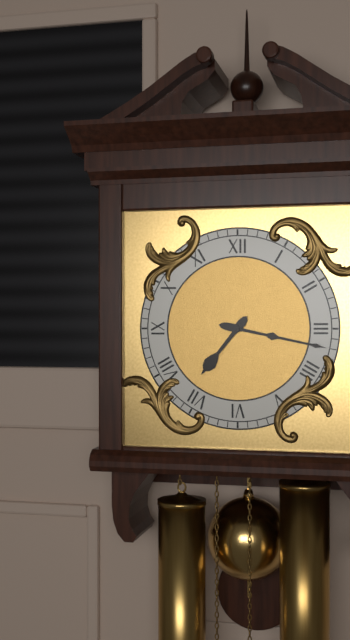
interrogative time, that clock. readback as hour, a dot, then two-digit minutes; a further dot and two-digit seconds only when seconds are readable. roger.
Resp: 7.17
